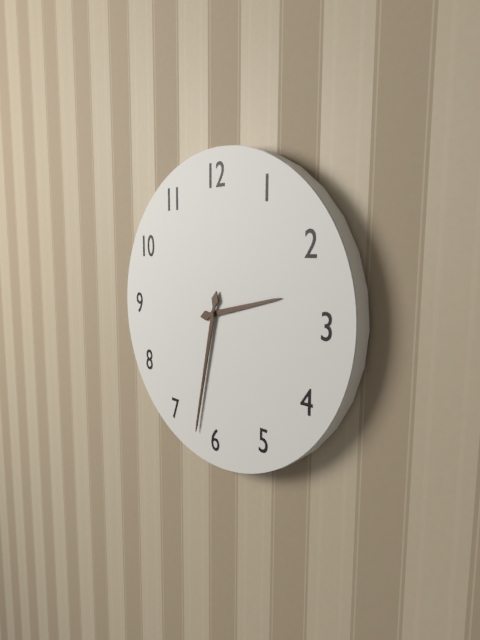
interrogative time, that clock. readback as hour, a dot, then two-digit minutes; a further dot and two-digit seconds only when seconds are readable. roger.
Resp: 2.32
